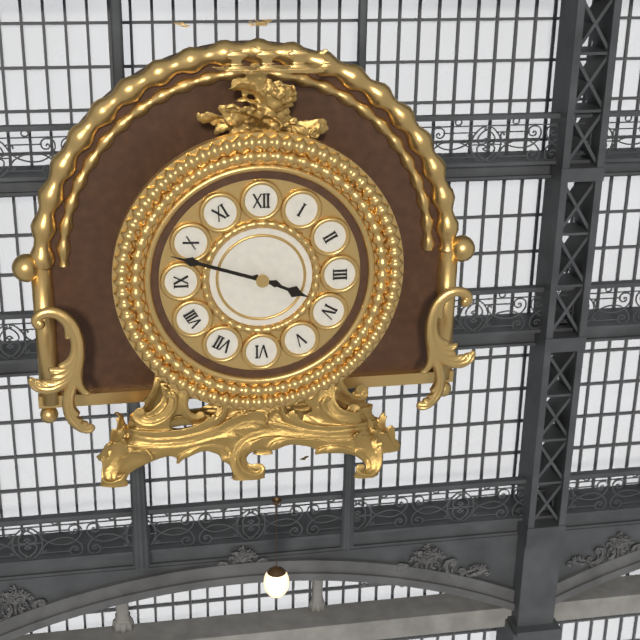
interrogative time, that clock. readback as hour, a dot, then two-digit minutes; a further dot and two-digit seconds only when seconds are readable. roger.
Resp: 3.48
